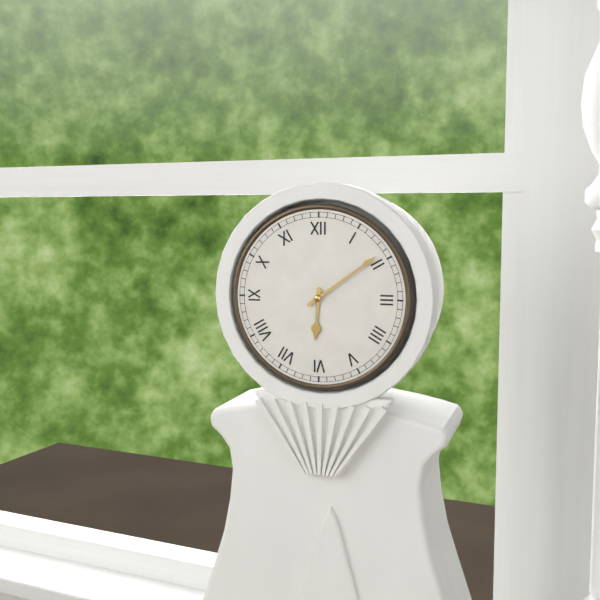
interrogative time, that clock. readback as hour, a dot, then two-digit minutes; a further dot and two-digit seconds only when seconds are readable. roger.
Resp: 6.09
